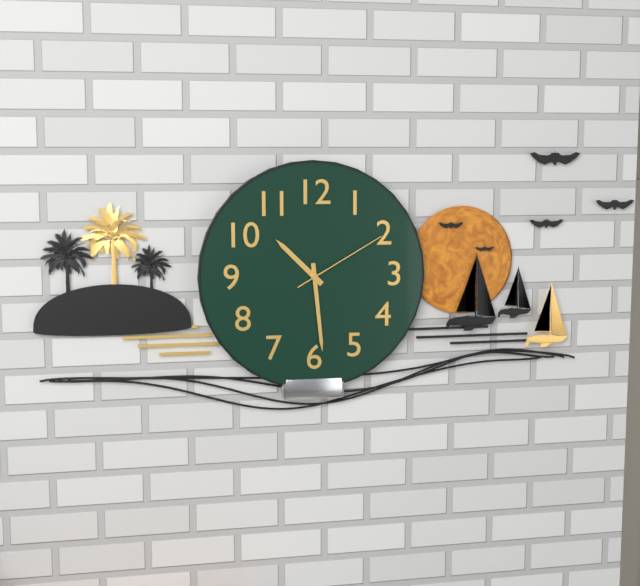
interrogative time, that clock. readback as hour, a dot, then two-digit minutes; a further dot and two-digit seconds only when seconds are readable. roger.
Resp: 10.29.10
